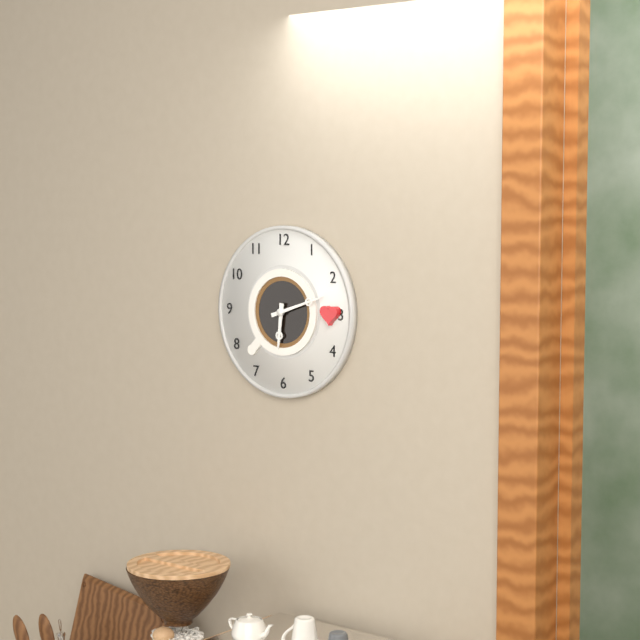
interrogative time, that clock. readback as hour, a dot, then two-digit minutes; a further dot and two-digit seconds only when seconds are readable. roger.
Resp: 6.12
